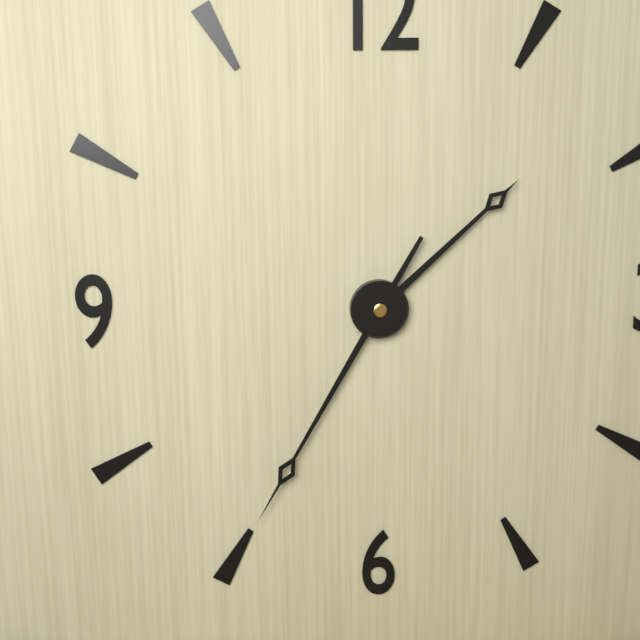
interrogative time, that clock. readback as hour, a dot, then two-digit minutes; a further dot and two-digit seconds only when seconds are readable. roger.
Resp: 1.35
